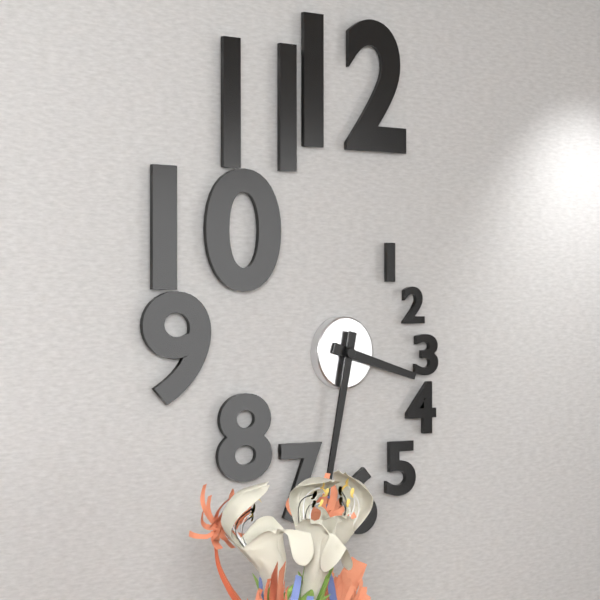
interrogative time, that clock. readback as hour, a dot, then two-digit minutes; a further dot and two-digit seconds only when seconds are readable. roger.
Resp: 3.32
